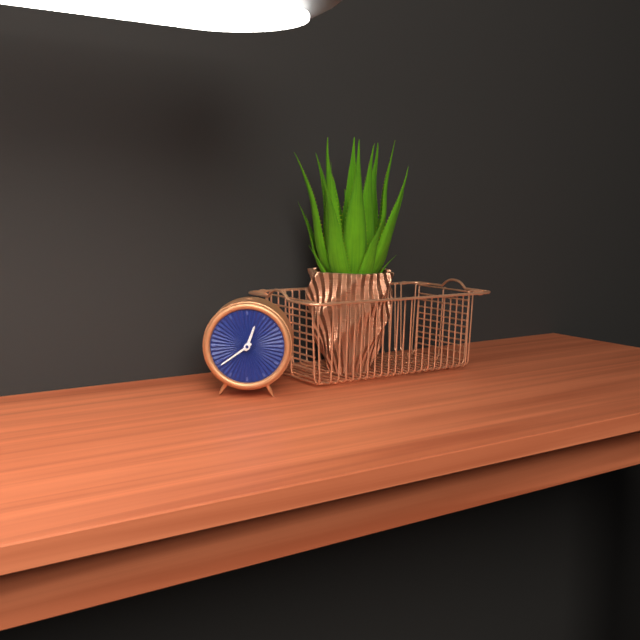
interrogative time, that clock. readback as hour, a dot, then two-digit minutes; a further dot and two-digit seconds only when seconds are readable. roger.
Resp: 12.39
